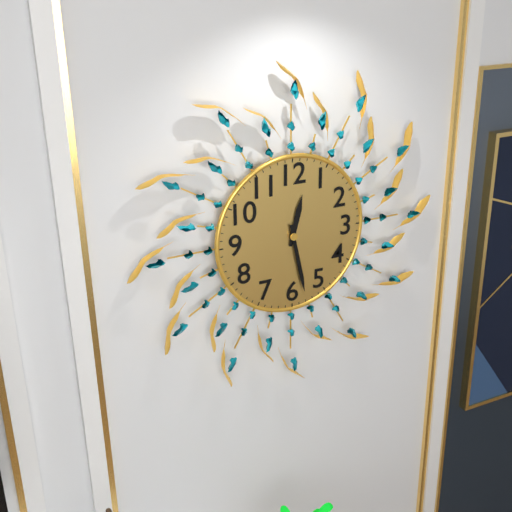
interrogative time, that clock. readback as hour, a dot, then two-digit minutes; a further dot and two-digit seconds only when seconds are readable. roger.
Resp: 12.28
